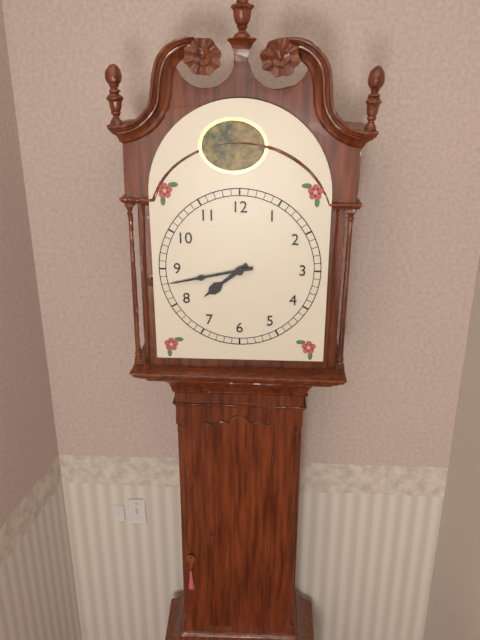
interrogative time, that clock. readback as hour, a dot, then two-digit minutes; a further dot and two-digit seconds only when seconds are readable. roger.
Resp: 7.43
